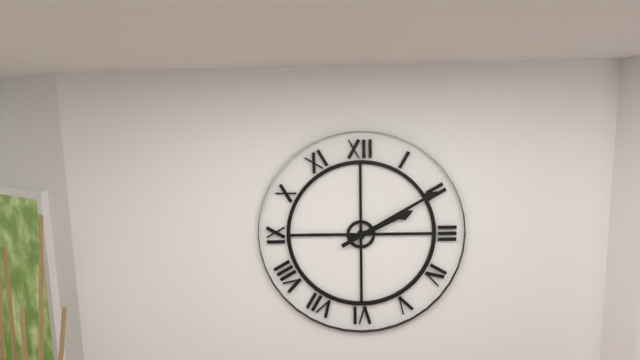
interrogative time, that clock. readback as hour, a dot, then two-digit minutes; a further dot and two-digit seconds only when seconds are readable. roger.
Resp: 2.10
